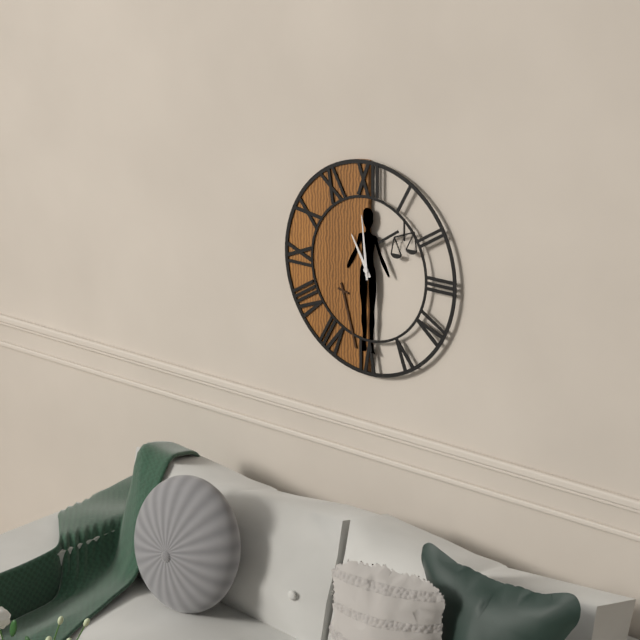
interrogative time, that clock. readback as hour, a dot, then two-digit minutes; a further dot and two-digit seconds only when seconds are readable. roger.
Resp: 10.59
